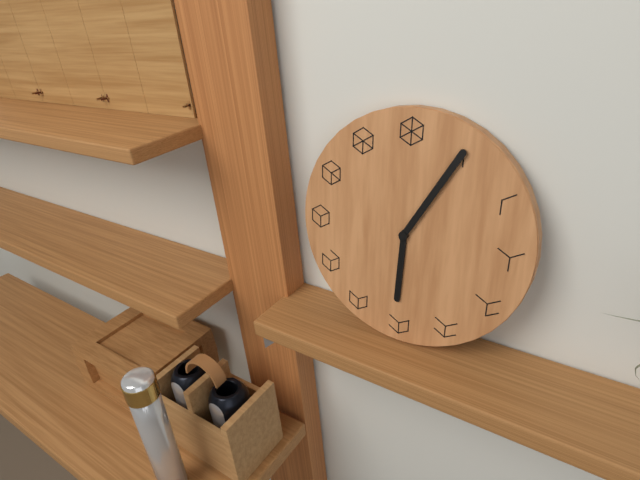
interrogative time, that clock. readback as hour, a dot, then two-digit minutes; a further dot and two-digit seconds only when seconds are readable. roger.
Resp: 6.05
